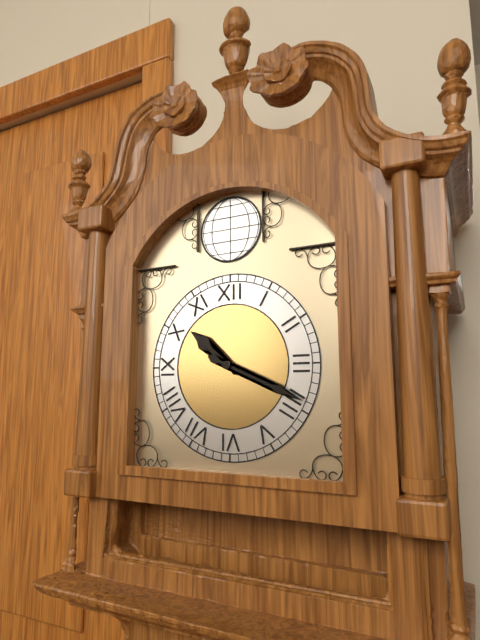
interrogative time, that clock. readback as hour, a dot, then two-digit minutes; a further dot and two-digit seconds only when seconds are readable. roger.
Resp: 10.19
